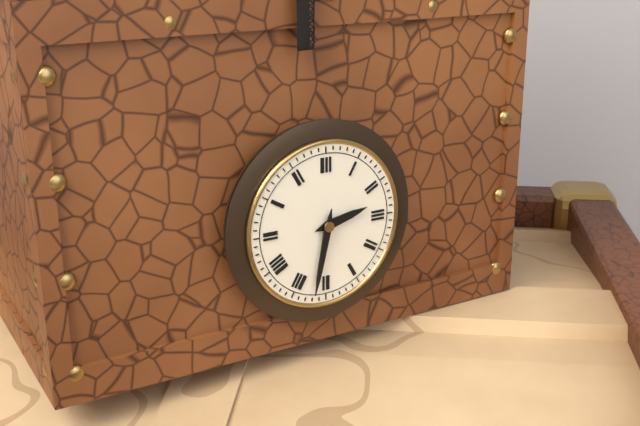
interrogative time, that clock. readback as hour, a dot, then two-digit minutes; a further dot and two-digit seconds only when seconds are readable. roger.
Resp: 2.32
